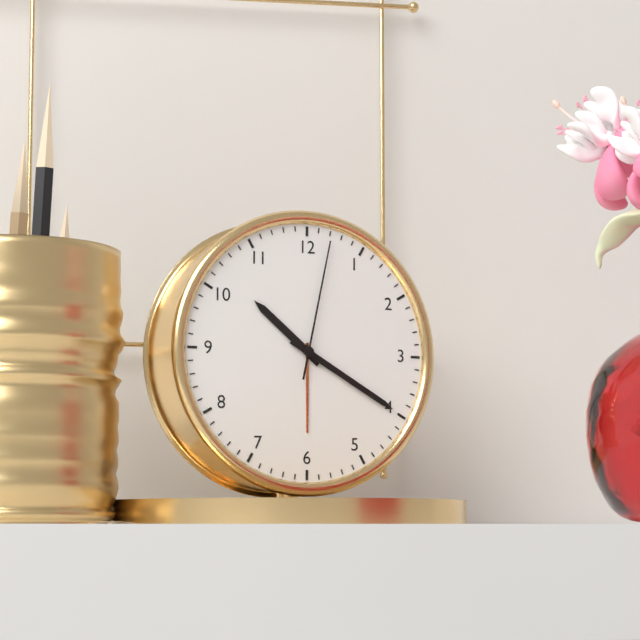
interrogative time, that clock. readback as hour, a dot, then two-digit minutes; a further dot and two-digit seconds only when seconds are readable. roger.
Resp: 10.20.02
